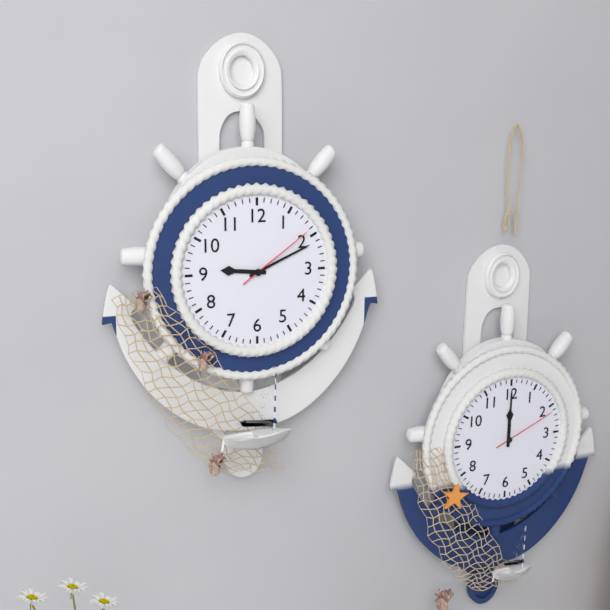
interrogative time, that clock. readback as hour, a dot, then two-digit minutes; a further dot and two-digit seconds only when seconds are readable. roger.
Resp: 9.11.09
